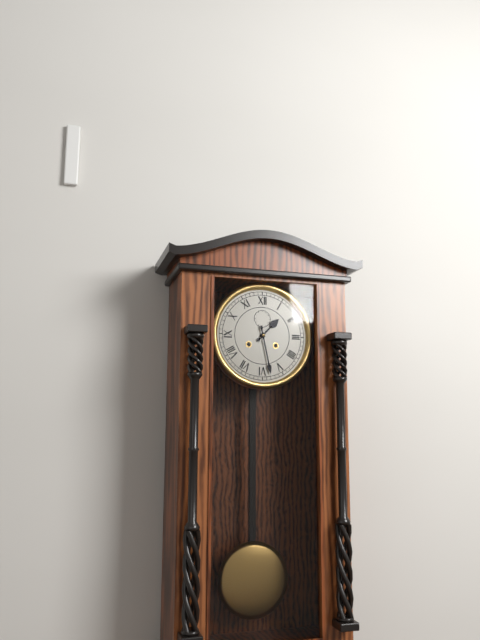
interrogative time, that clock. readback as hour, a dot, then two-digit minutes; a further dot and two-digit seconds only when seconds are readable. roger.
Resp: 1.28
